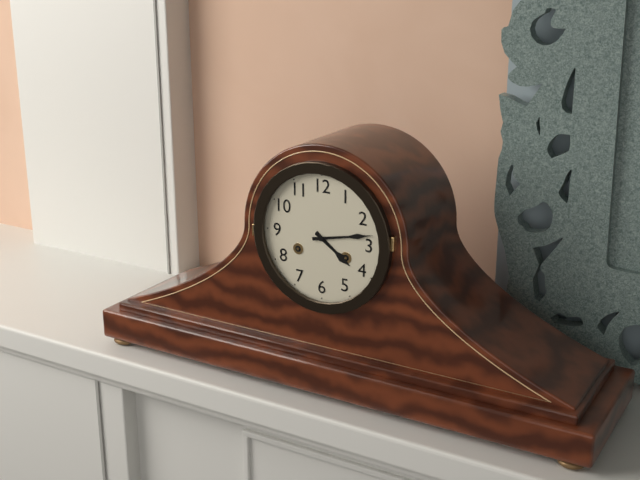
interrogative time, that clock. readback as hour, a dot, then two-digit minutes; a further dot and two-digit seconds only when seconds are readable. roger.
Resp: 4.13
